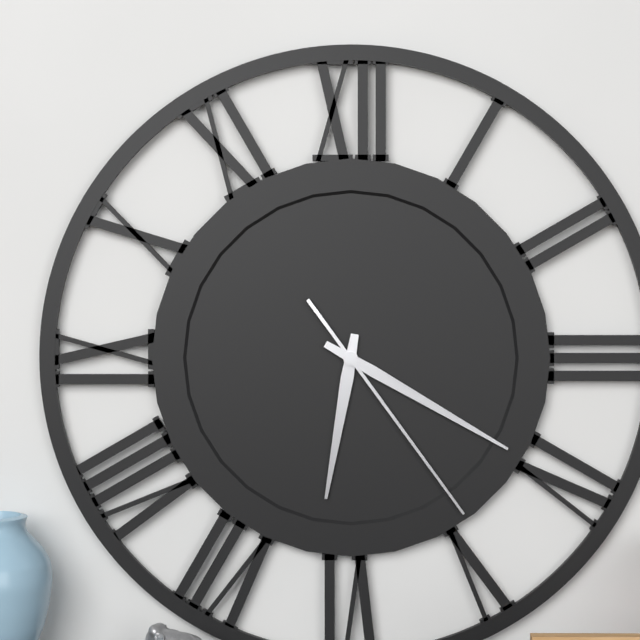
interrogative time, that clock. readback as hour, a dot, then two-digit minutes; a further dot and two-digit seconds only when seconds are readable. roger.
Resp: 6.20.24
